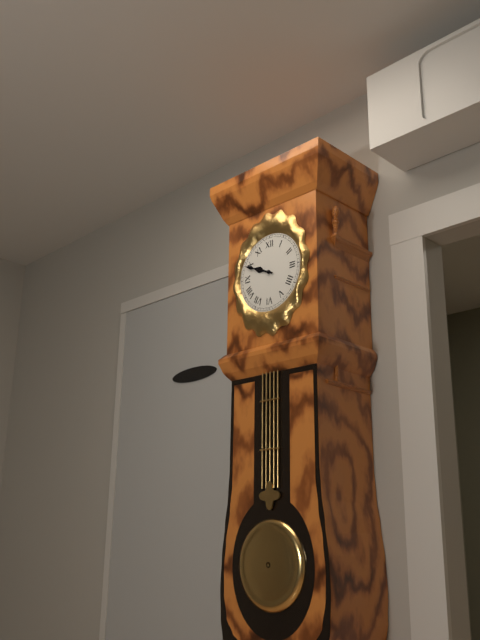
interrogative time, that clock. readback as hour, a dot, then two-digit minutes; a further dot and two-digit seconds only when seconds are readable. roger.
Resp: 9.49
